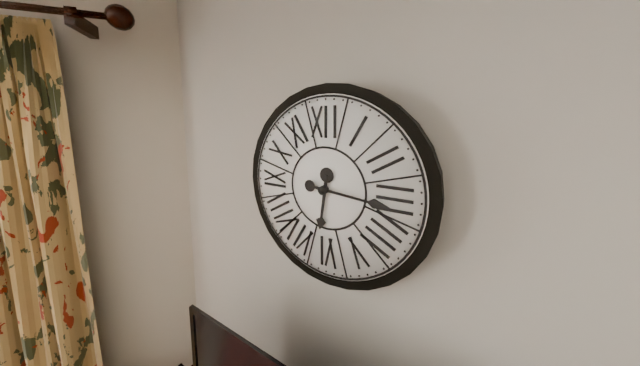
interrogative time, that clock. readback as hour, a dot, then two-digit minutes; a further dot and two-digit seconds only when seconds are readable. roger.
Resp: 6.16
